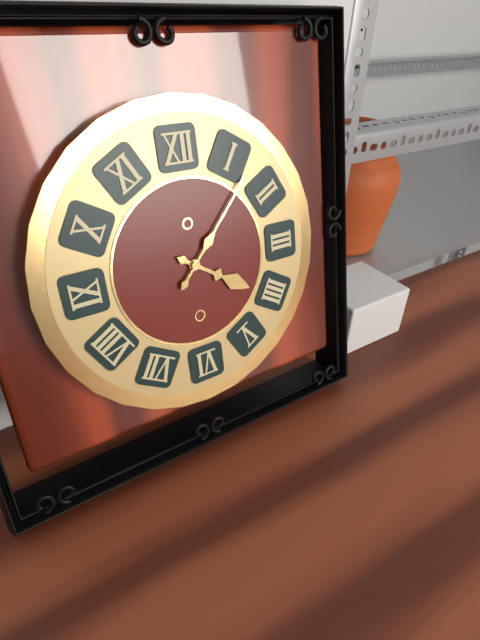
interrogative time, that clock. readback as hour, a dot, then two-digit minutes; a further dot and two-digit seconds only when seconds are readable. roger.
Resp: 4.07
